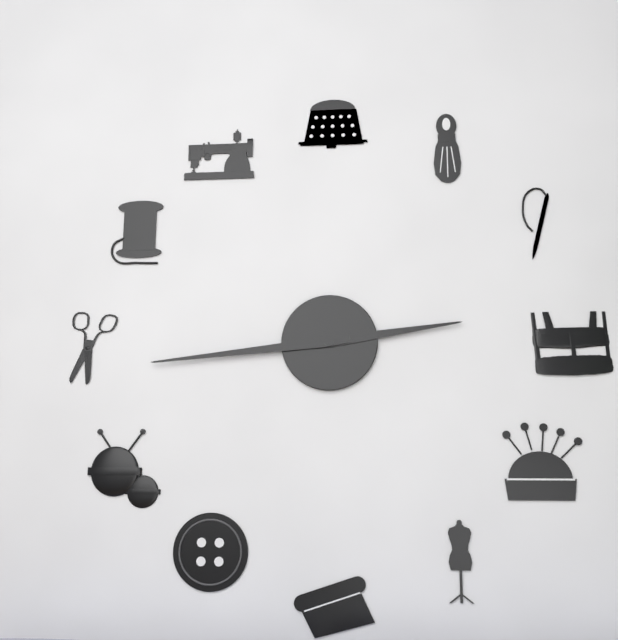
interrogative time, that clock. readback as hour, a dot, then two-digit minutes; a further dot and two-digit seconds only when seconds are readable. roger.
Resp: 2.44
